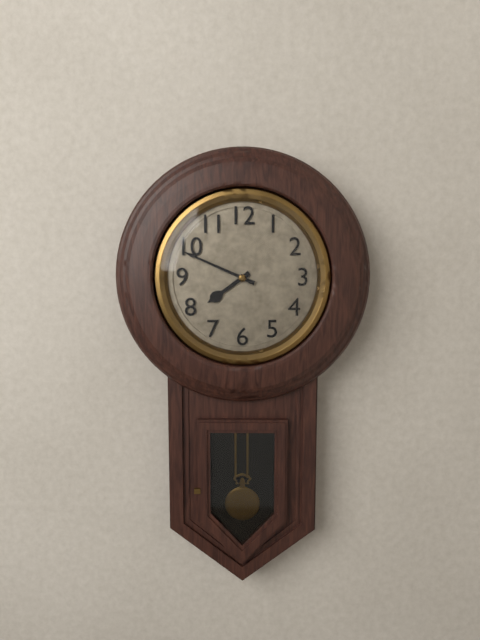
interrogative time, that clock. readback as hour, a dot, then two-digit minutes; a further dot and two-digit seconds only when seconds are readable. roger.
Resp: 7.49
